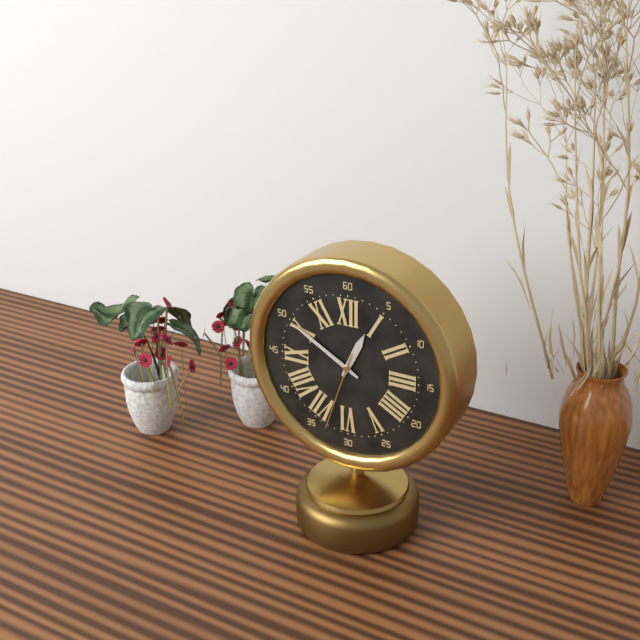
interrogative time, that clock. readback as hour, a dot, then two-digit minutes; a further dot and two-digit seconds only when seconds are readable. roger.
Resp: 12.50.33
